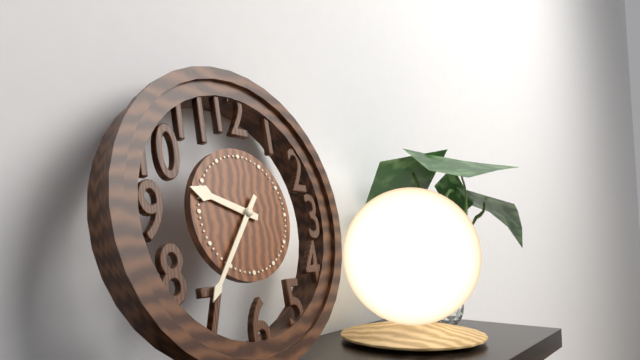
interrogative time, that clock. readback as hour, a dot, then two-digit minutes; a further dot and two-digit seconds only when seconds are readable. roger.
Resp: 9.36
